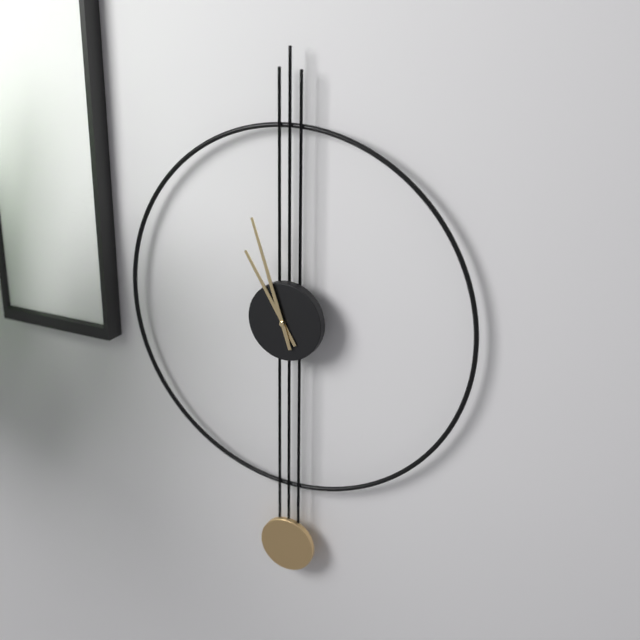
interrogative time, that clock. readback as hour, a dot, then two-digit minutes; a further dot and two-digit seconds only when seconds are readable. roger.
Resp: 10.57
